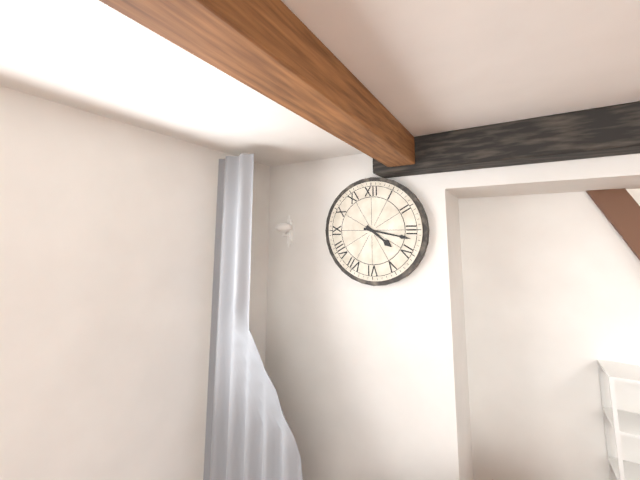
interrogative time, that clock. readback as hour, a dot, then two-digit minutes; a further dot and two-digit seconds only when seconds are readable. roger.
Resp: 4.17
